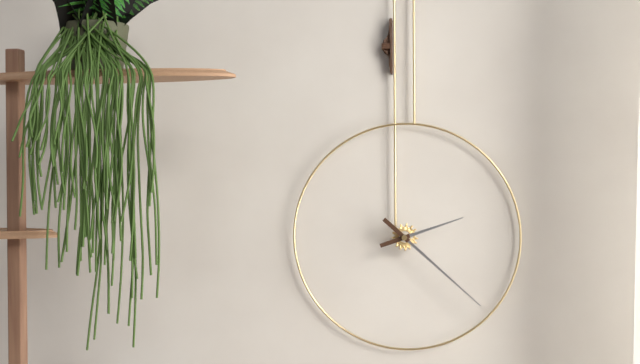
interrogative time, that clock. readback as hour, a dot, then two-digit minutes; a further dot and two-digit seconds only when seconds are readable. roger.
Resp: 2.22
